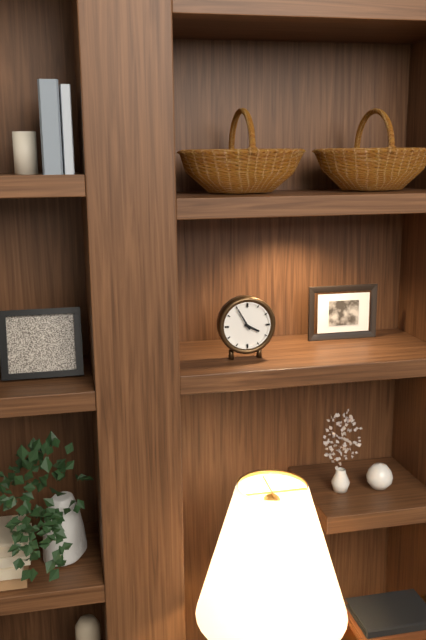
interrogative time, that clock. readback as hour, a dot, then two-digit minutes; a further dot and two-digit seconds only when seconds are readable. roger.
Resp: 3.55
